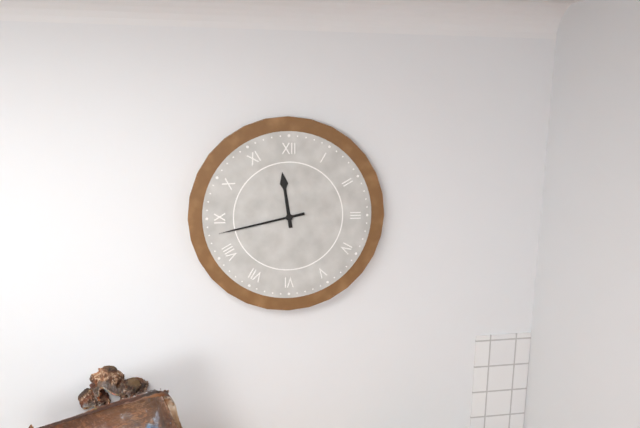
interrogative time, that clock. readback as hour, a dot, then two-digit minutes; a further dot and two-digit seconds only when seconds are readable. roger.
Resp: 11.43
